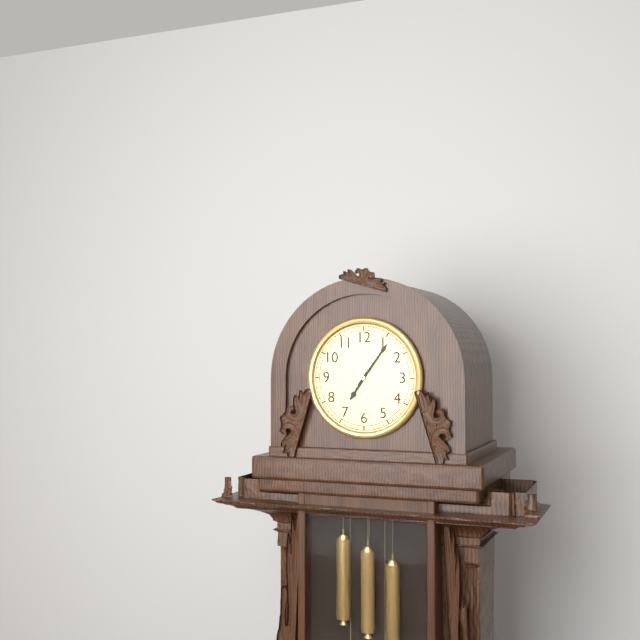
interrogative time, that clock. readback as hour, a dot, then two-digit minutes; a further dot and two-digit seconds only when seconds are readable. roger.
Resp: 7.06
